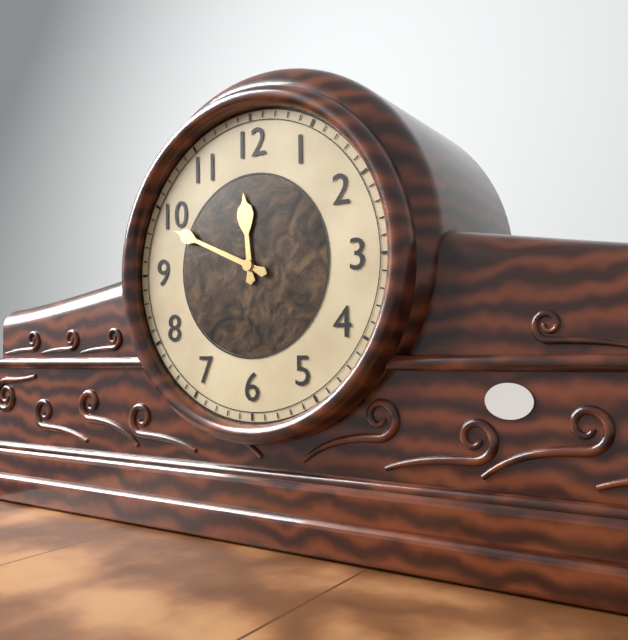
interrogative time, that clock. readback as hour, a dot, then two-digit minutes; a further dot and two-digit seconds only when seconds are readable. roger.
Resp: 11.49
